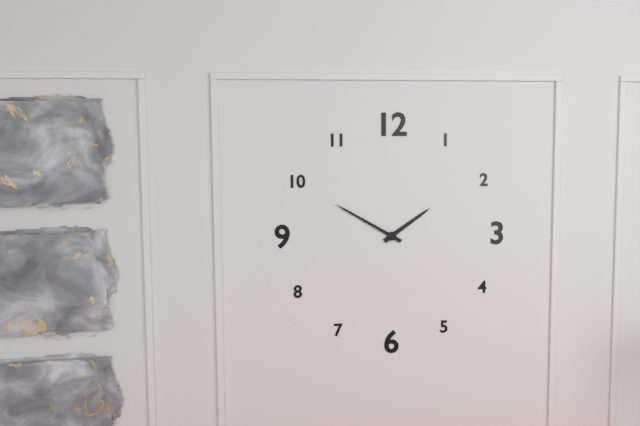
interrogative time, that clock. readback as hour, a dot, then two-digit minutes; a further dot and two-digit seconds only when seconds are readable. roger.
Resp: 1.50
